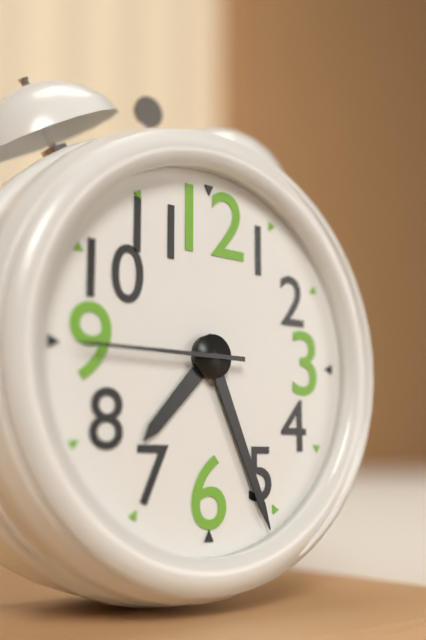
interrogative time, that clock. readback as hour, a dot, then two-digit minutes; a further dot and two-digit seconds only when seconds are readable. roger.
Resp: 7.26.45
